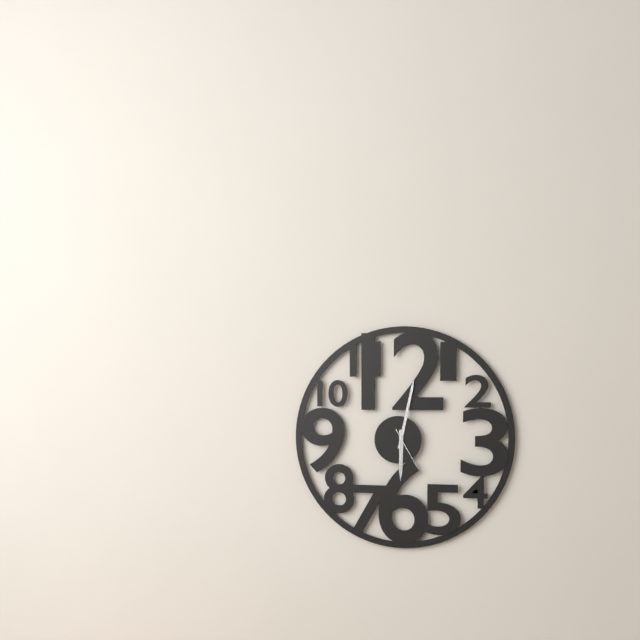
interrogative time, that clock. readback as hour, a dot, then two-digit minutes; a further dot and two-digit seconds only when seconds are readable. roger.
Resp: 6.02
